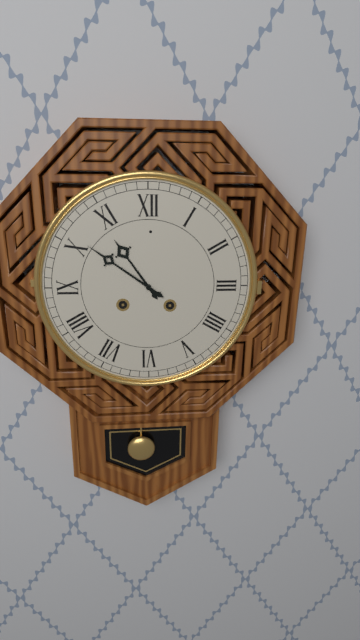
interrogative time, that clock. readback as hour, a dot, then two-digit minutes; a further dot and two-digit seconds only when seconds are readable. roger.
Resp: 10.51
